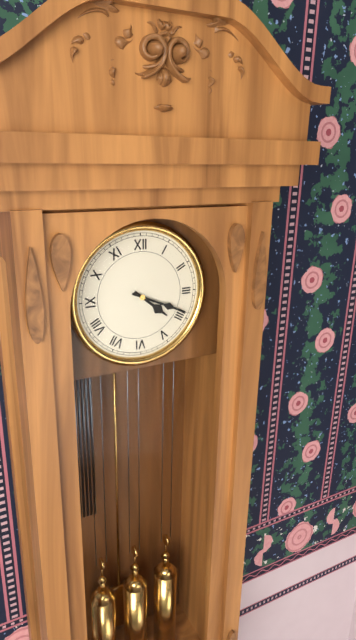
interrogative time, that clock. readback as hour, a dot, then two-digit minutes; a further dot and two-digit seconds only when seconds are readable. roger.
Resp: 4.19
